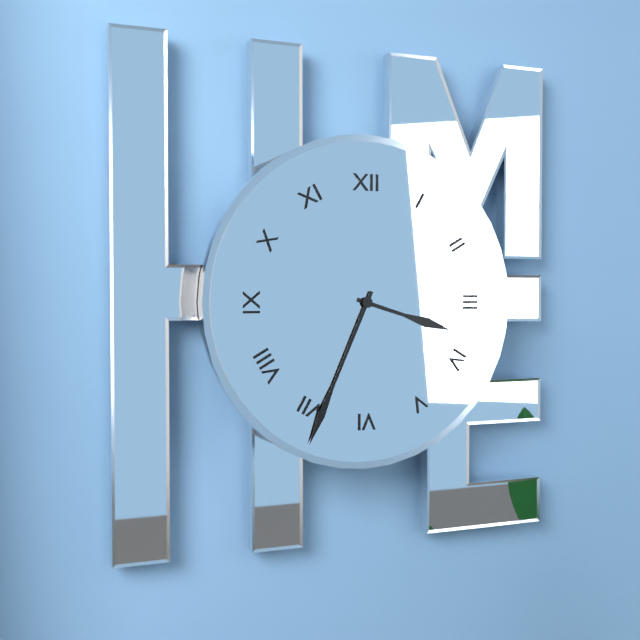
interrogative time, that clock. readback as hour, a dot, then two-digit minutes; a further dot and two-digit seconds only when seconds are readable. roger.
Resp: 3.34
